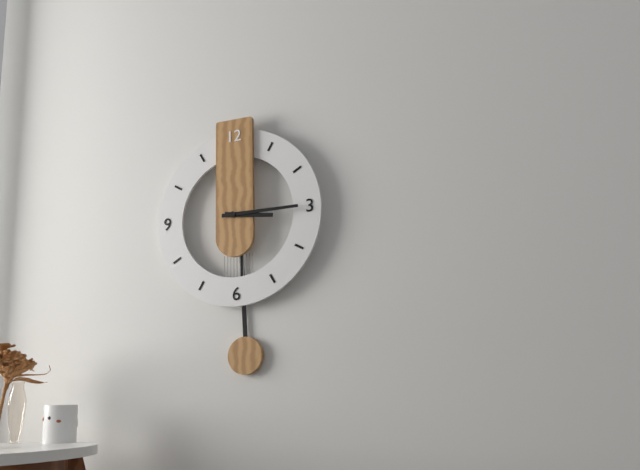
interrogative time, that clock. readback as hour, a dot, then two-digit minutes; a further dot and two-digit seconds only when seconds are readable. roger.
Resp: 3.15
